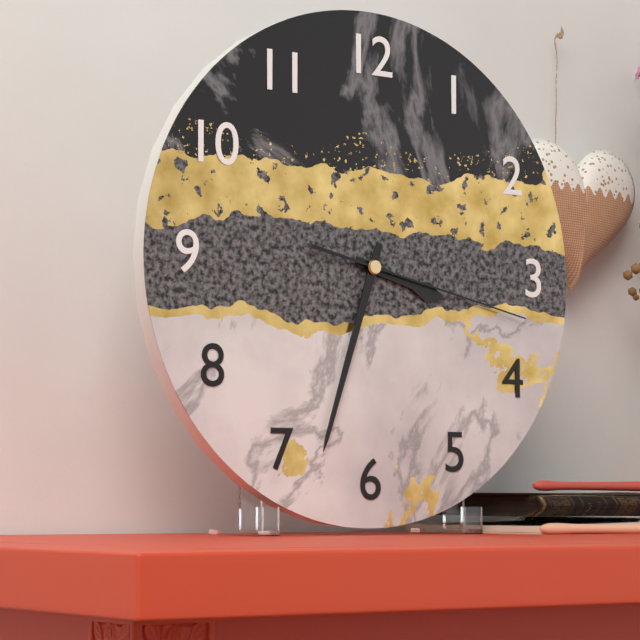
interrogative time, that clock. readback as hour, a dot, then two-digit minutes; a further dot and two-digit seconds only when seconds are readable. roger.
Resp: 3.33.17
